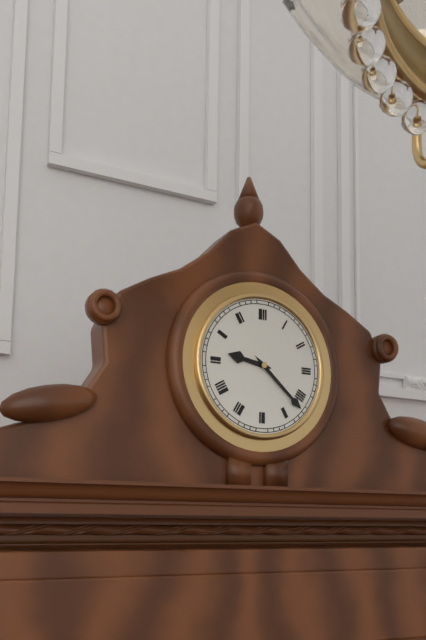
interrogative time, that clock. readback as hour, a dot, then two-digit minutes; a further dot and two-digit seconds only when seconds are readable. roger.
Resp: 9.22
